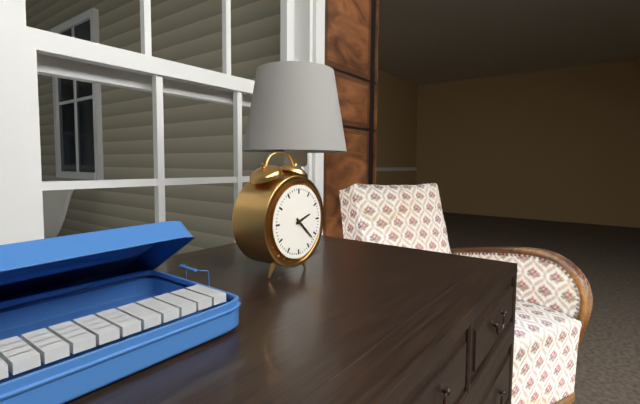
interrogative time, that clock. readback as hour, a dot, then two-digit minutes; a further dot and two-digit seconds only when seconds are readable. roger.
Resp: 2.22
